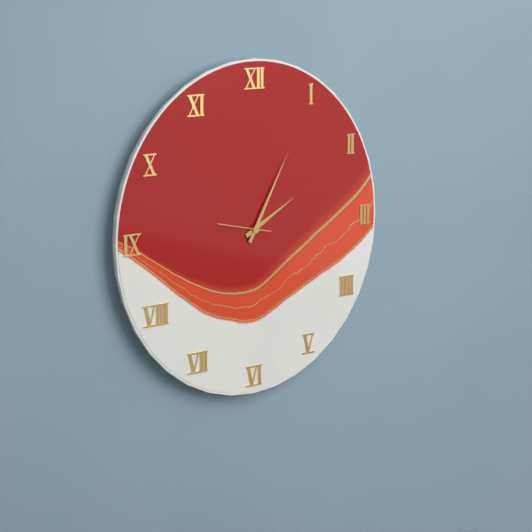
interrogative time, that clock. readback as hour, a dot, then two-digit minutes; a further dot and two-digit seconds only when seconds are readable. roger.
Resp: 2.05
